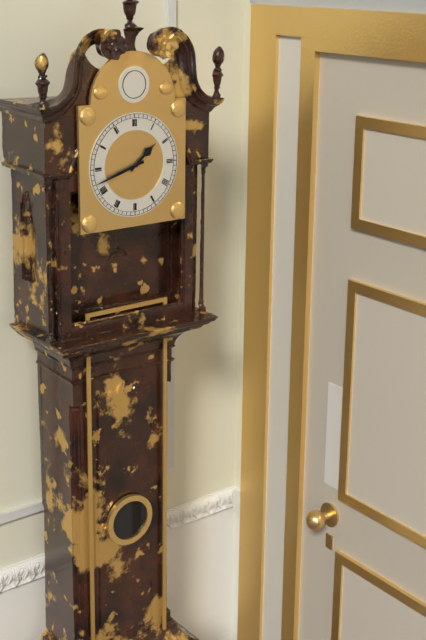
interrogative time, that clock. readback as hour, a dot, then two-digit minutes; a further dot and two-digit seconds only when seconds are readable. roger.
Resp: 1.42
